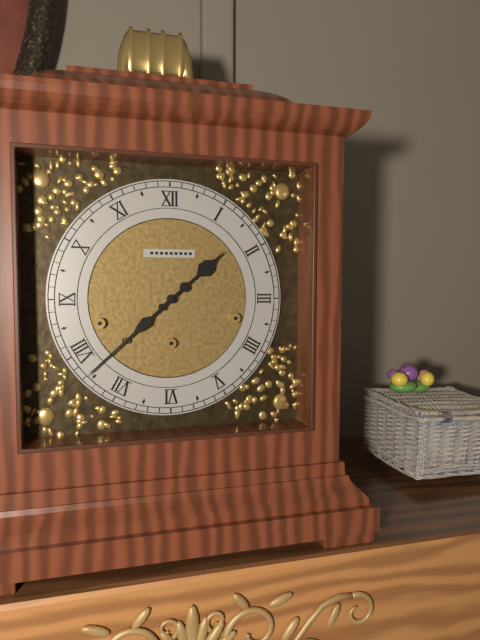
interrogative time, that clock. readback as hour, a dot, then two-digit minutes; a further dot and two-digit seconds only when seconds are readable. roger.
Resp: 1.38
